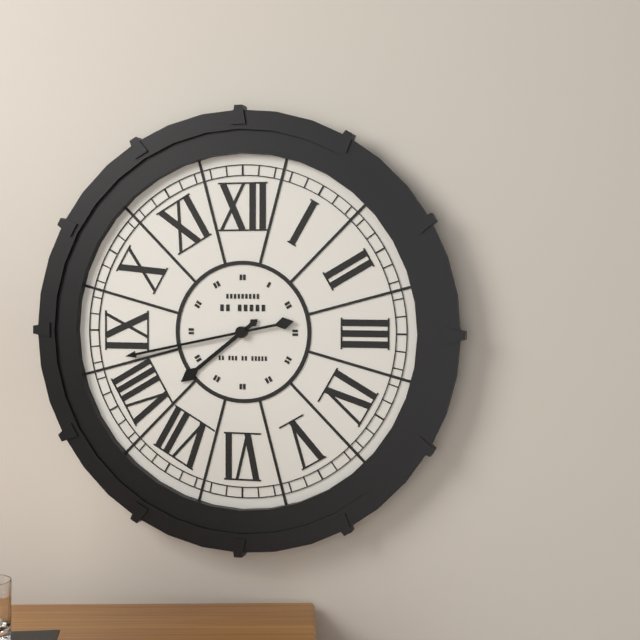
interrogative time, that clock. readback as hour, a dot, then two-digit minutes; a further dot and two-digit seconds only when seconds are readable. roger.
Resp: 7.43
